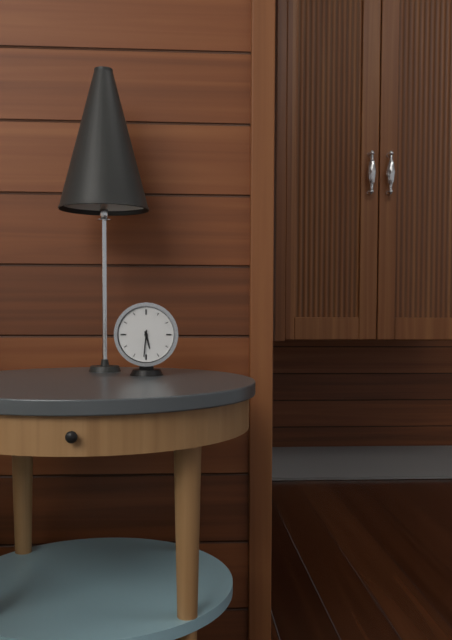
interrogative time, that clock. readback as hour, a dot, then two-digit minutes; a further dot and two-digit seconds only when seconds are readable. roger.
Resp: 5.31
